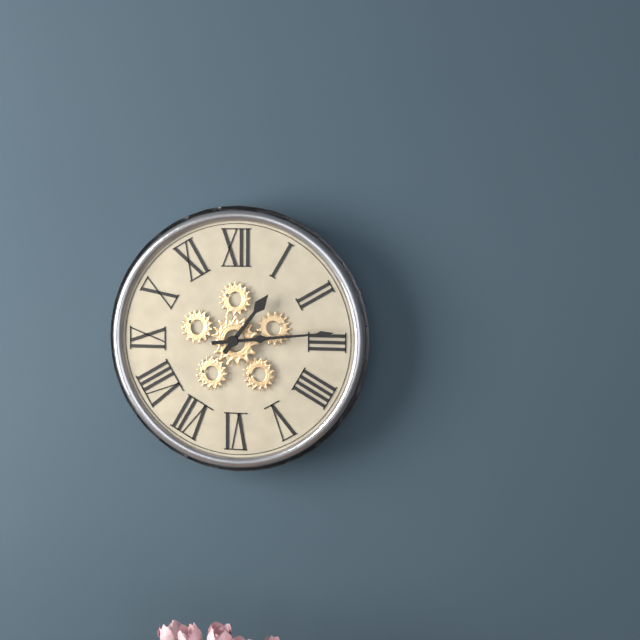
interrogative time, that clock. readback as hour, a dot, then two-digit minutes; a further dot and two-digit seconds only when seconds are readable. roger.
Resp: 1.14
